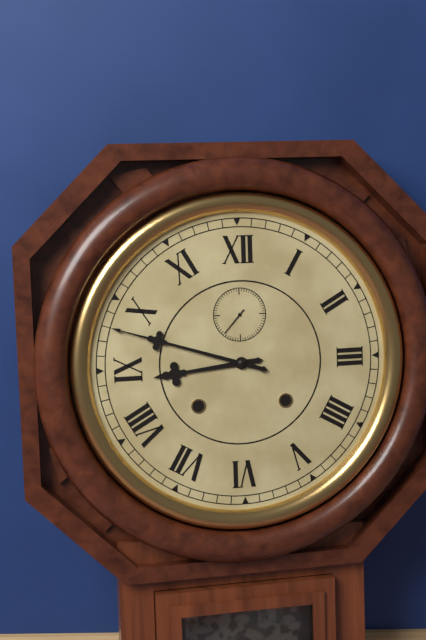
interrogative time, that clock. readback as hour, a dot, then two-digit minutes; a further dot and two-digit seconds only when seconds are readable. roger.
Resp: 8.48
